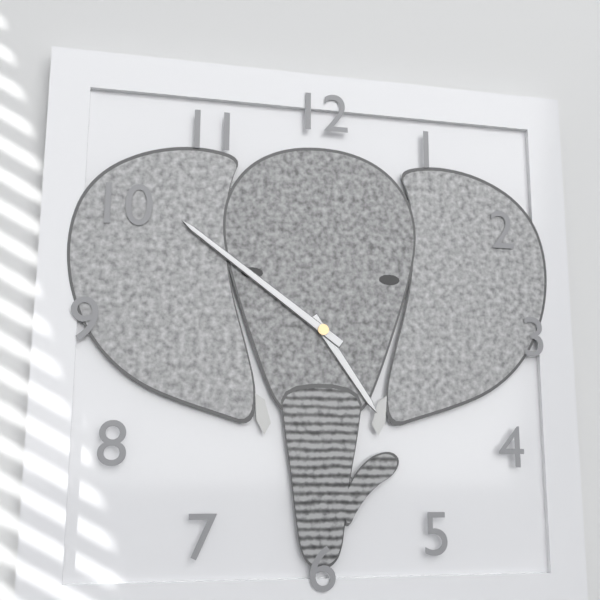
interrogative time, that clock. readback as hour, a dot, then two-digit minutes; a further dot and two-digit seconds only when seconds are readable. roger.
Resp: 4.51
